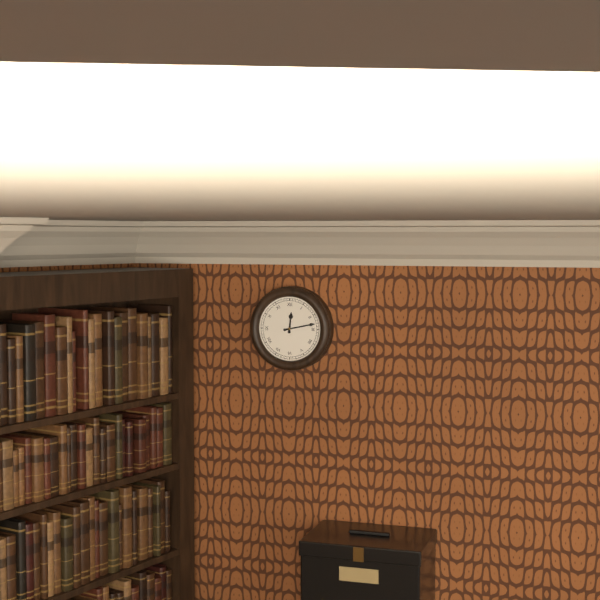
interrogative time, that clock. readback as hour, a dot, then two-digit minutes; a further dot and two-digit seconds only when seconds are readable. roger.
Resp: 12.13
